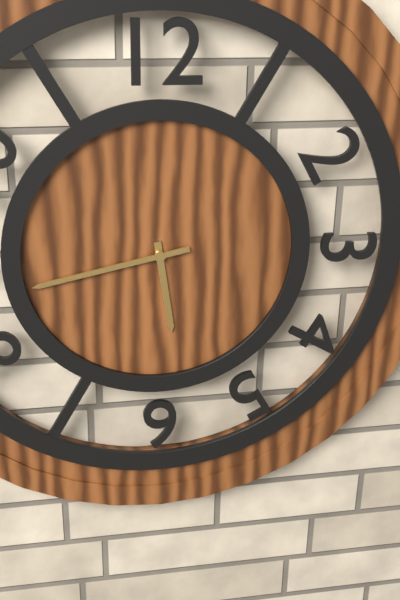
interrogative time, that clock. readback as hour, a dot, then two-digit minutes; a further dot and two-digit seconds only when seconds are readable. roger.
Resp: 5.43
